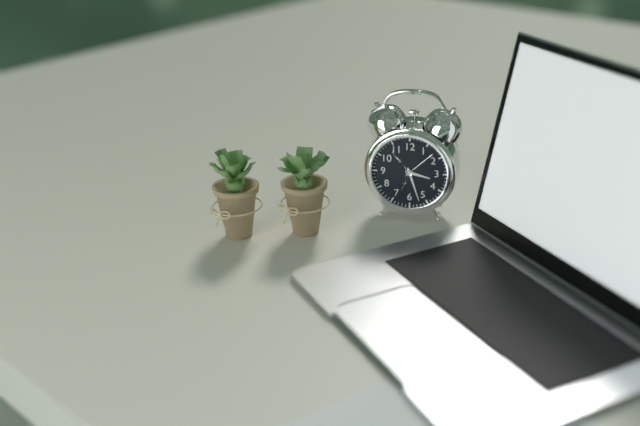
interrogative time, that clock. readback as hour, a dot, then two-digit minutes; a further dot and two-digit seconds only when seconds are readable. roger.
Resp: 3.27
